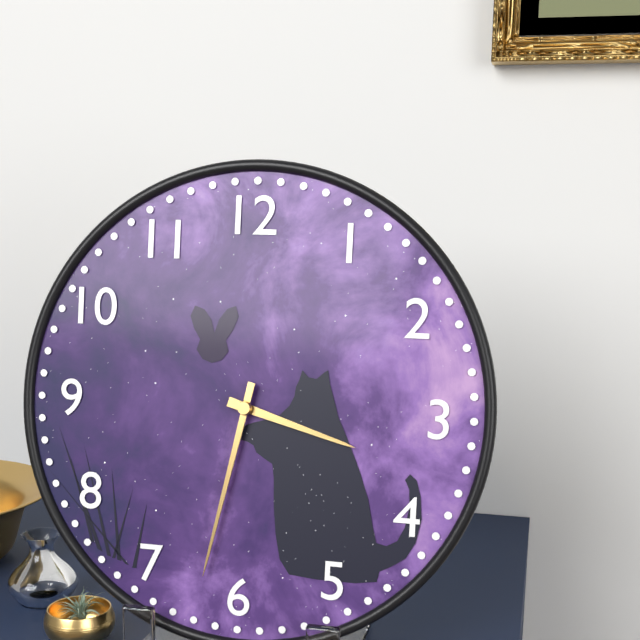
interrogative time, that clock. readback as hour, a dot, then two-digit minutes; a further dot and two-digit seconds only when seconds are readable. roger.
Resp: 3.32
